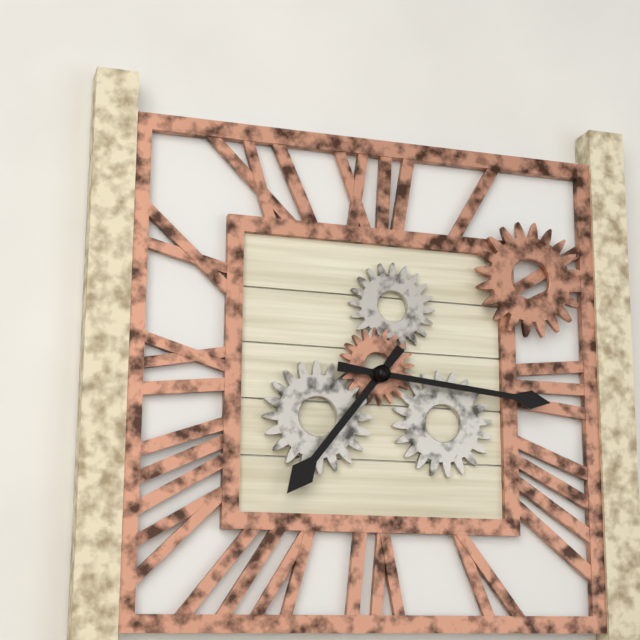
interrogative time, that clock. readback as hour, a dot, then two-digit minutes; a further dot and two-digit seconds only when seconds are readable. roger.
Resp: 7.16
